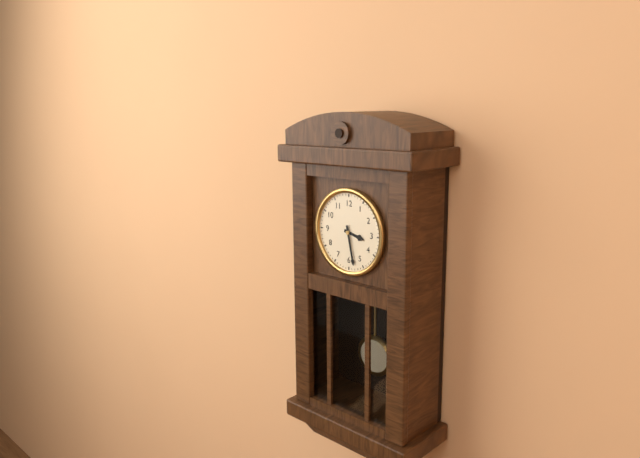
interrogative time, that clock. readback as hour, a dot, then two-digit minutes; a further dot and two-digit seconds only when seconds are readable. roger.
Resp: 3.28
